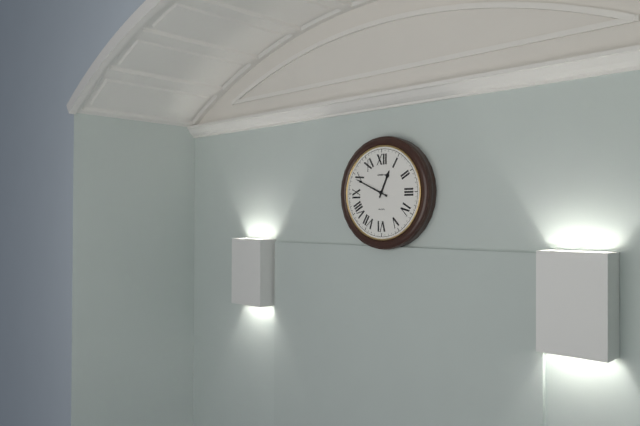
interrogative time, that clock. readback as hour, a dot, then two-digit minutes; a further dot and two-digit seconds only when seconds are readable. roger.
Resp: 12.49
